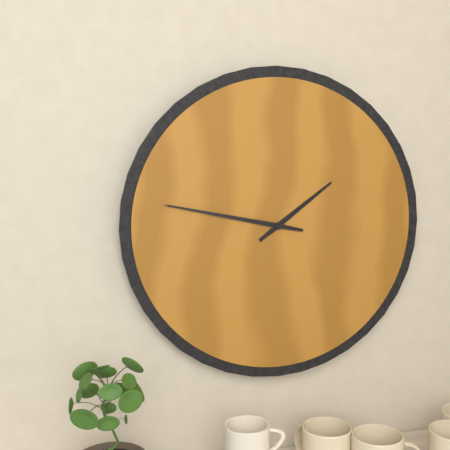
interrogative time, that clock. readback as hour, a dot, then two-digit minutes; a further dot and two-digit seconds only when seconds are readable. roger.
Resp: 1.47
